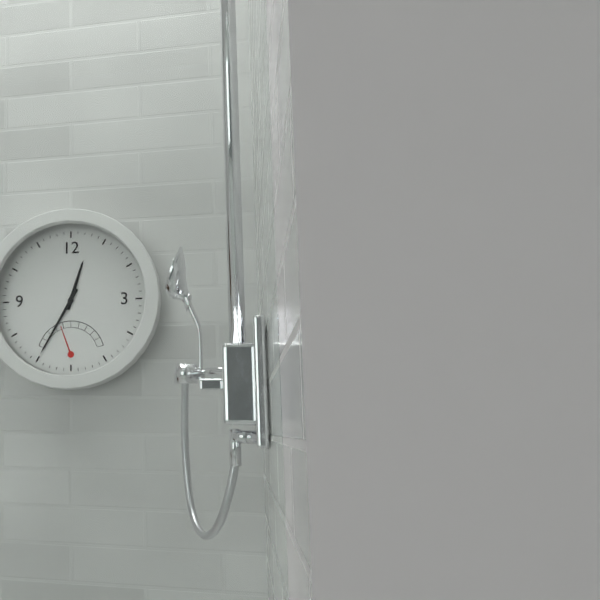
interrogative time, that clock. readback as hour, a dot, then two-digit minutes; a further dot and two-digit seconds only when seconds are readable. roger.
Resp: 12.35
